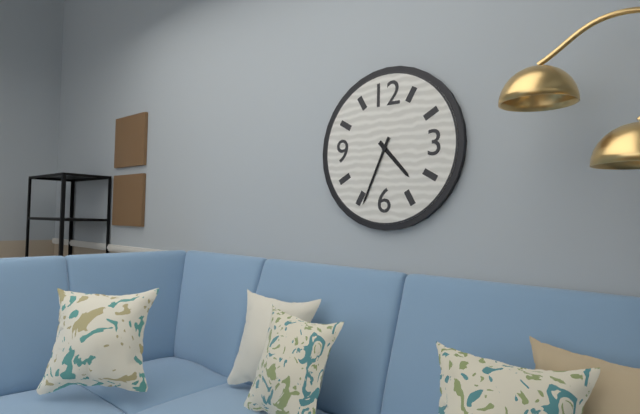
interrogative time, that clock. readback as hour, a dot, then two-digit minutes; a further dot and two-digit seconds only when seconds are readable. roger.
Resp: 4.34
